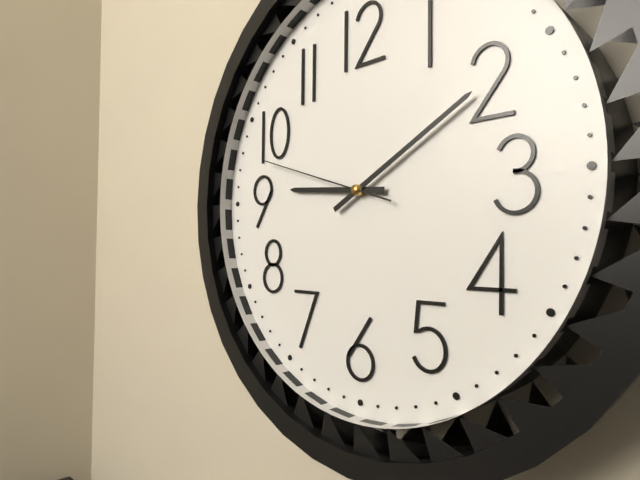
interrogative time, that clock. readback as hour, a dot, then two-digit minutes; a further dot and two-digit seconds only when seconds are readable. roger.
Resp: 9.10.48
